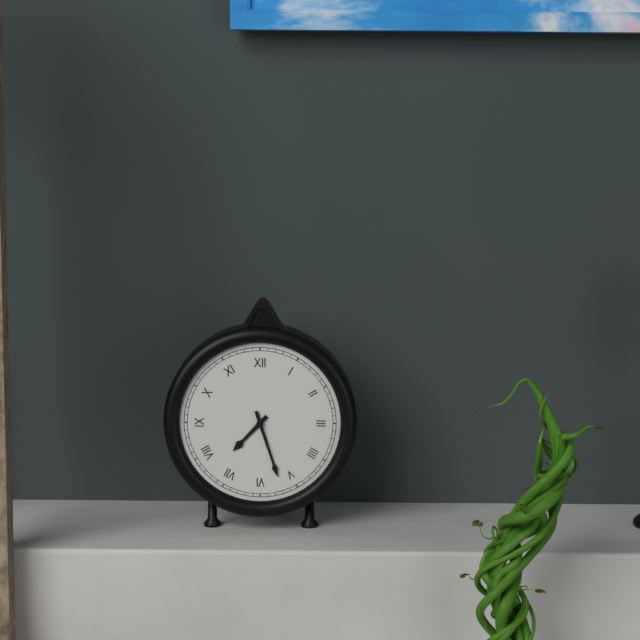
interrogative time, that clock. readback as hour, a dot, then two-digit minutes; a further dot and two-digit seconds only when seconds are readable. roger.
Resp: 7.27
